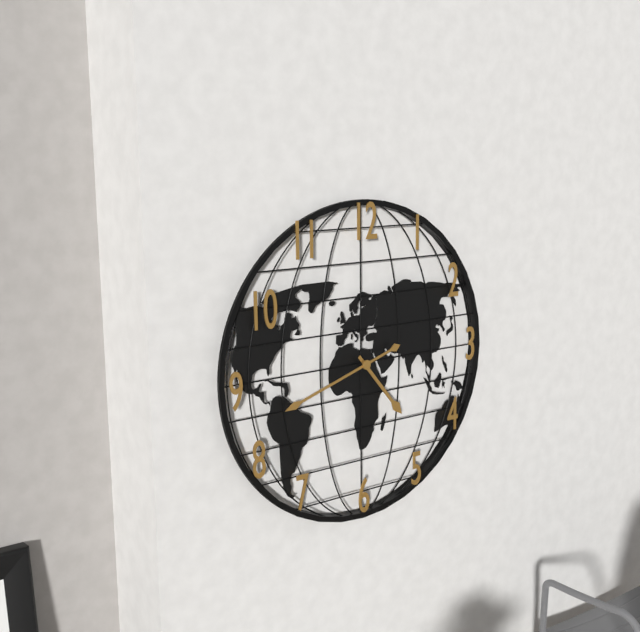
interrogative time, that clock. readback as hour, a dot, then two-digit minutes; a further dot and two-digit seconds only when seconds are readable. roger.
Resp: 4.42
